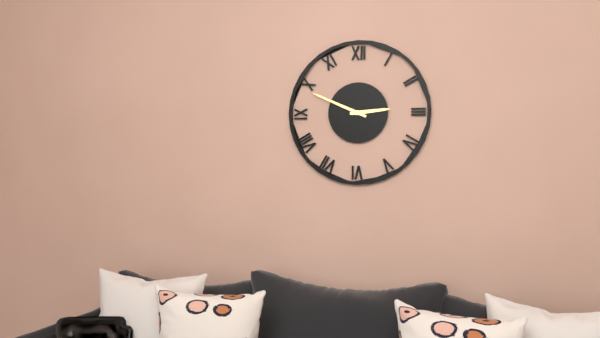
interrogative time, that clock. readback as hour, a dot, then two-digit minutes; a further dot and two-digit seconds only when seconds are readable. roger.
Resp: 2.49
